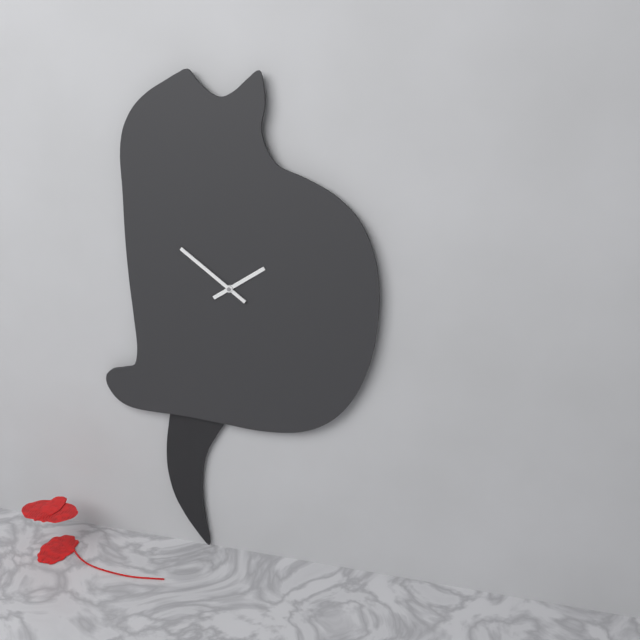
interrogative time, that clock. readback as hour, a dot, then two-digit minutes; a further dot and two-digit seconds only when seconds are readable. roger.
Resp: 1.51
